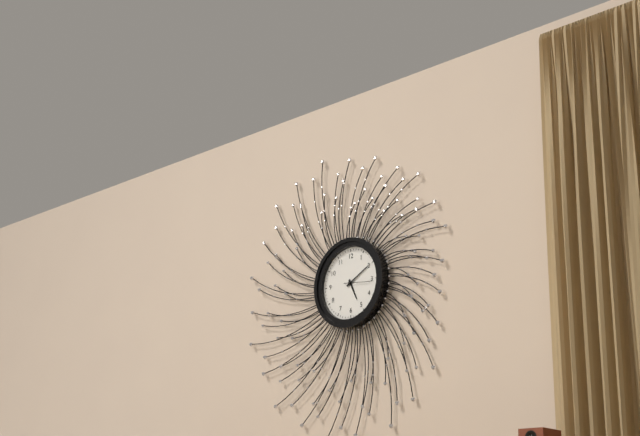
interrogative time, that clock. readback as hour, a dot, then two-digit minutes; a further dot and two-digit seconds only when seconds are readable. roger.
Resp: 5.10
